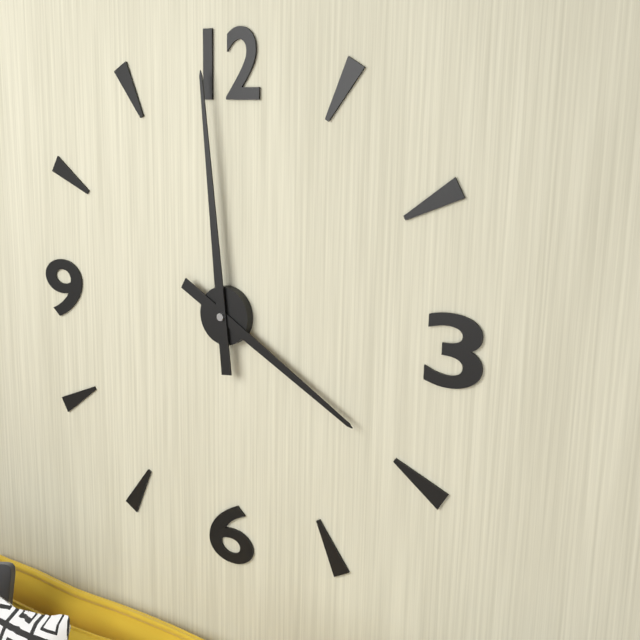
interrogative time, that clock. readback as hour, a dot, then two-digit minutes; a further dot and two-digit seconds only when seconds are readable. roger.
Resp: 3.59
